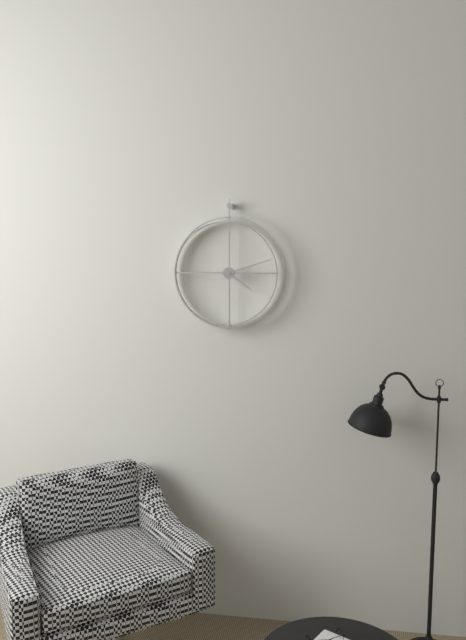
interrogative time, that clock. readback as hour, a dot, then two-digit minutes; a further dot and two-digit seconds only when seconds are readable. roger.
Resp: 4.12
